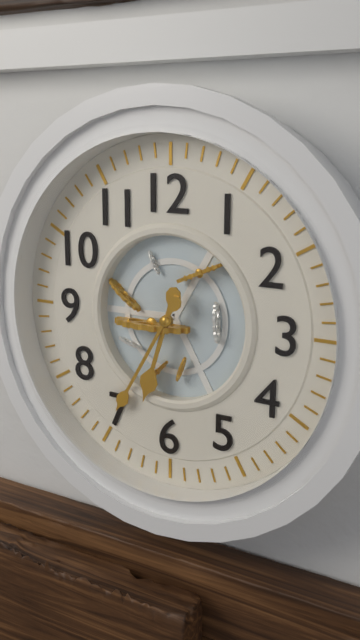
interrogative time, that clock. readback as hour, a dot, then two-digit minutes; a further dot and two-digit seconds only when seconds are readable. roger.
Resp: 6.35
